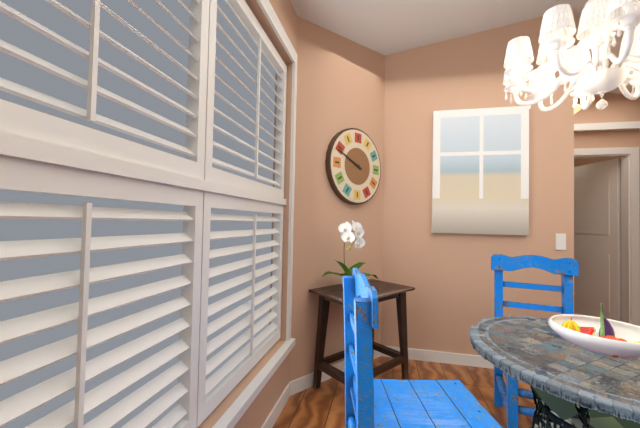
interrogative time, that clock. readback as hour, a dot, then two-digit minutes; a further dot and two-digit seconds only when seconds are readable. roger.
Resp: 9.49
